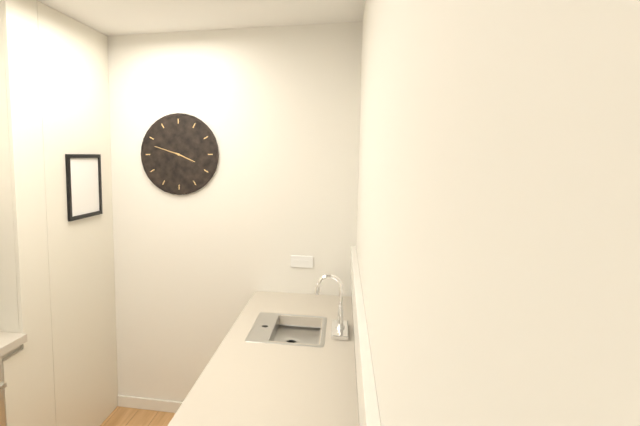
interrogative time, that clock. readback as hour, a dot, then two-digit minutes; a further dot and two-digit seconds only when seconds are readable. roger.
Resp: 3.48
